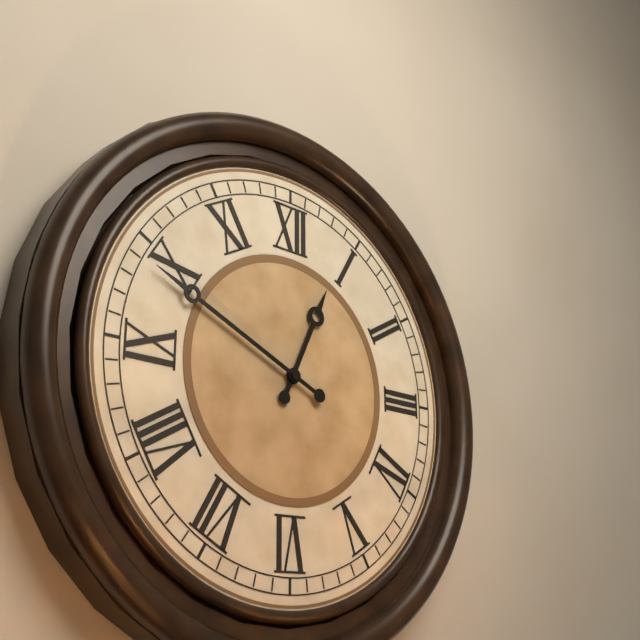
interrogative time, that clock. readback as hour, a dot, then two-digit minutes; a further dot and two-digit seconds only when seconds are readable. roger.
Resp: 12.49
